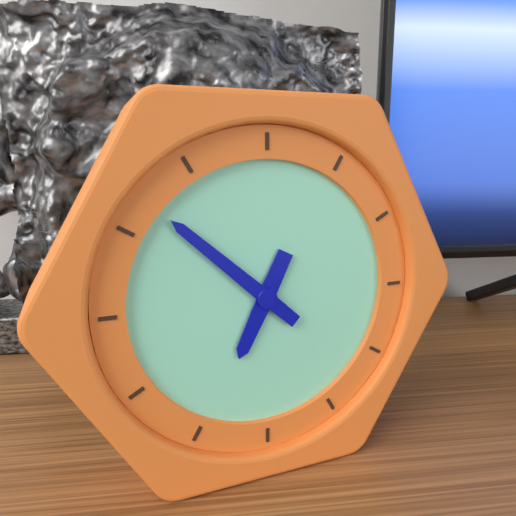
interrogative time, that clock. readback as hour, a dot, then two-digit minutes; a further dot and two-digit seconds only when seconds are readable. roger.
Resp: 6.52
